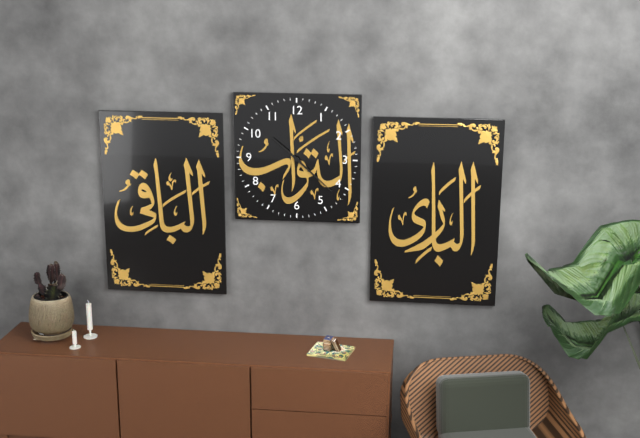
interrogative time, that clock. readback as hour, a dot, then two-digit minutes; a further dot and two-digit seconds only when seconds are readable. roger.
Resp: 10.22
